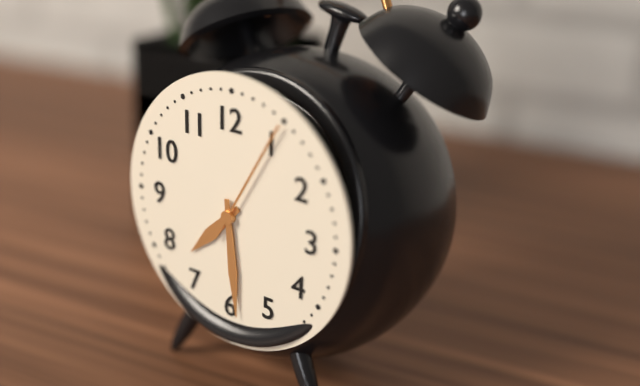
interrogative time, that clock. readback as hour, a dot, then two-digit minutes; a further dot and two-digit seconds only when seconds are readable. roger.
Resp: 7.29.05
